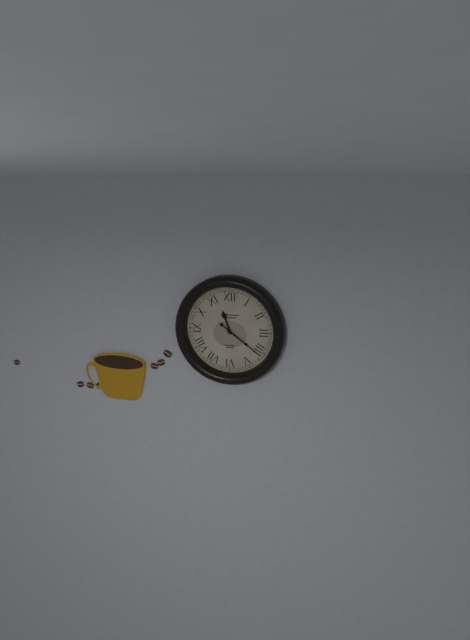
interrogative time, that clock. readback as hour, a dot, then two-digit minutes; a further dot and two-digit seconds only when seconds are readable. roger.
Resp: 11.21
